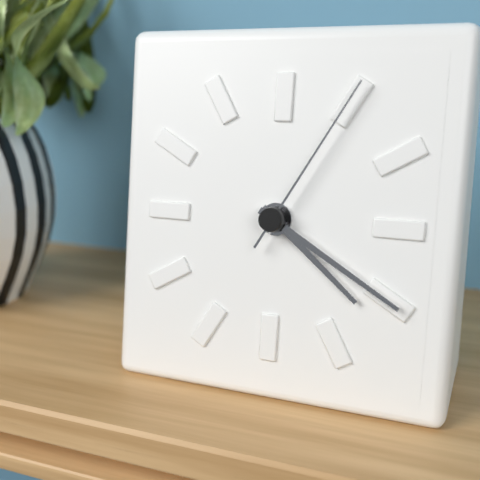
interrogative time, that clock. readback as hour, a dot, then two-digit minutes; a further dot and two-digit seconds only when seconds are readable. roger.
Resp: 4.20.05
